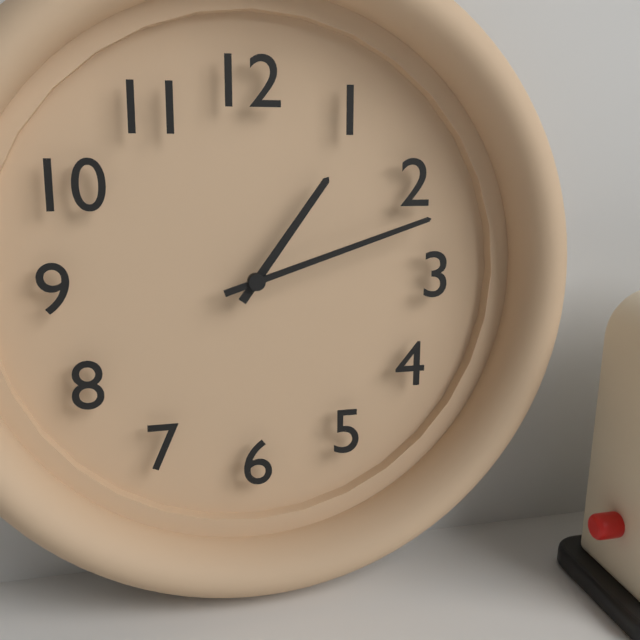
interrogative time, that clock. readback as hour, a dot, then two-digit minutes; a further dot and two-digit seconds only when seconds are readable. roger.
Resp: 1.12
